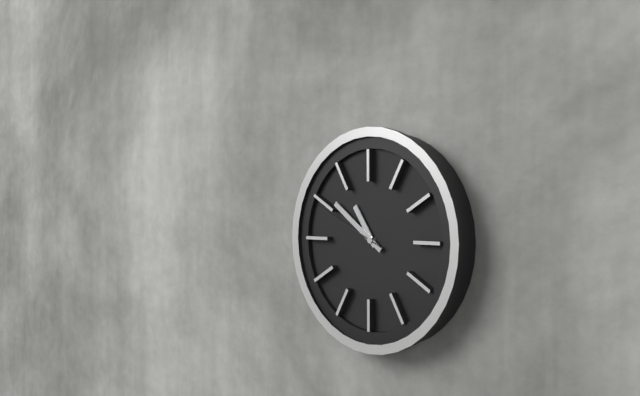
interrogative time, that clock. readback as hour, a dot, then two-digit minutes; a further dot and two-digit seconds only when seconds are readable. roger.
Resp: 10.51.49
